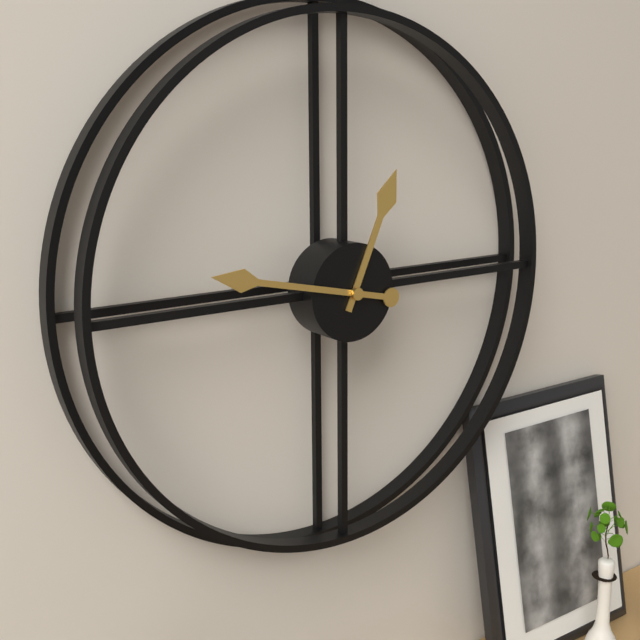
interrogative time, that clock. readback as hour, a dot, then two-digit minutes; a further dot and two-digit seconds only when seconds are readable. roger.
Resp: 12.47
